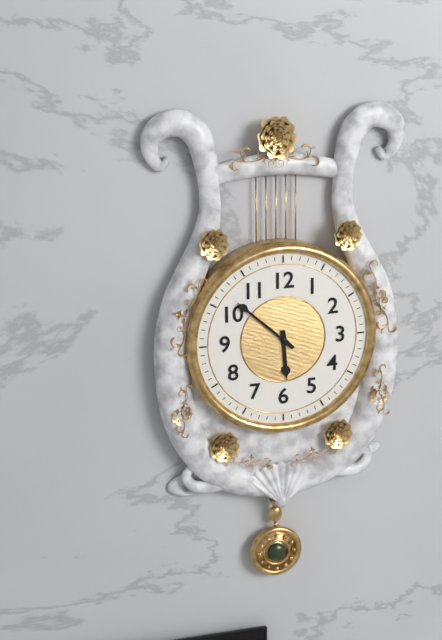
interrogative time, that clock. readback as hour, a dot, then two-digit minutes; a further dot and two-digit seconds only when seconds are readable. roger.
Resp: 5.52
